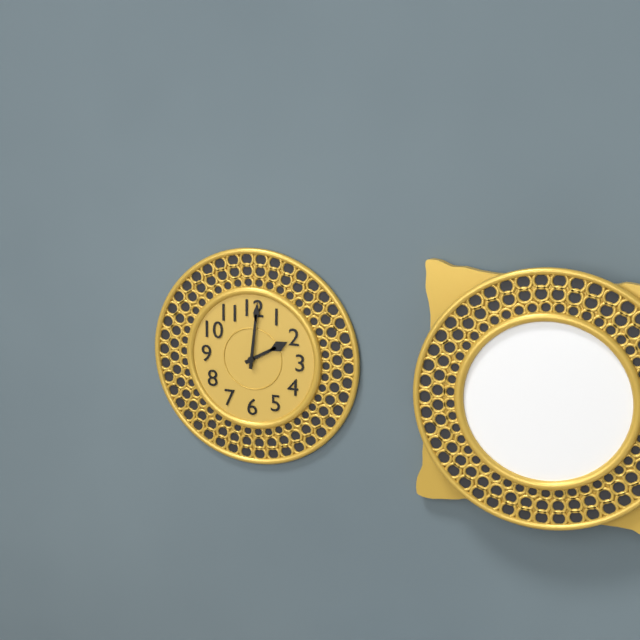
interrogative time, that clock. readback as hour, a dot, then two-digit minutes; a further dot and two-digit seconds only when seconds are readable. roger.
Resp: 2.01
